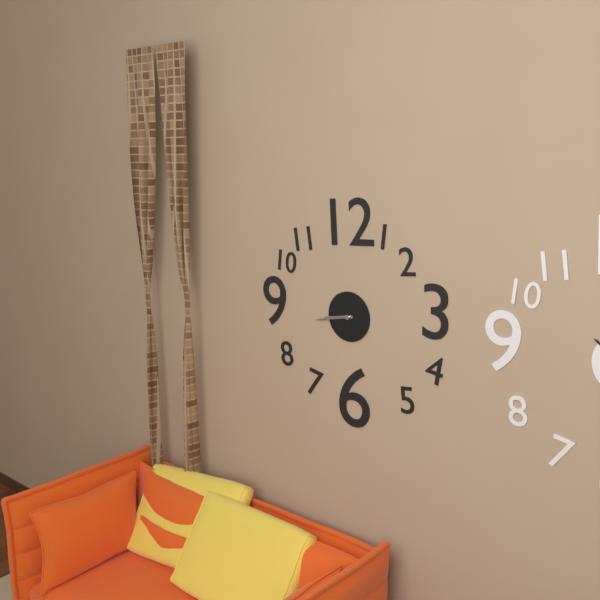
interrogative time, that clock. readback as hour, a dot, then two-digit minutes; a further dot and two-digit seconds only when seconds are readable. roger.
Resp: 8.43
